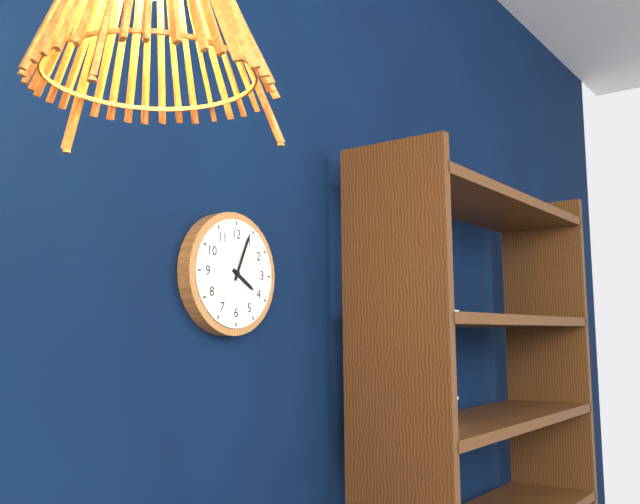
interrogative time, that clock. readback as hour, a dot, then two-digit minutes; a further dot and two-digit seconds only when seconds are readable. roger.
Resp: 4.04
